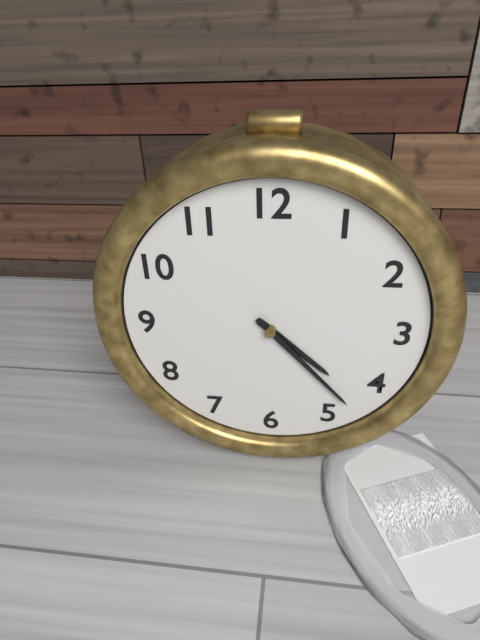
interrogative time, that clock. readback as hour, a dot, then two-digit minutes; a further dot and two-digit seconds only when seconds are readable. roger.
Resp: 4.23
